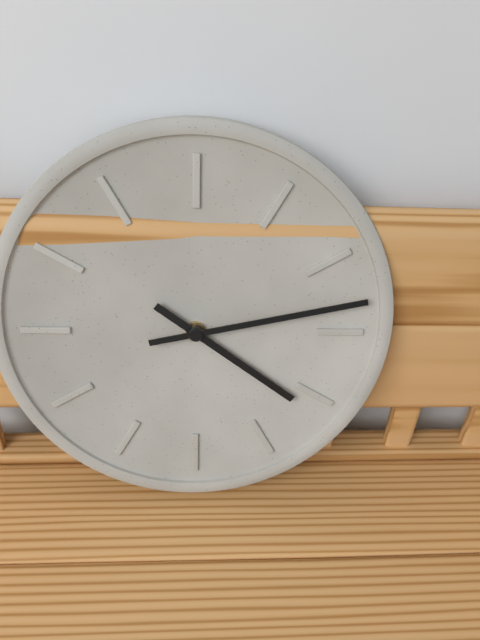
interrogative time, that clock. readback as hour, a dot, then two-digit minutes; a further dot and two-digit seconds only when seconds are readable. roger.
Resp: 4.13
